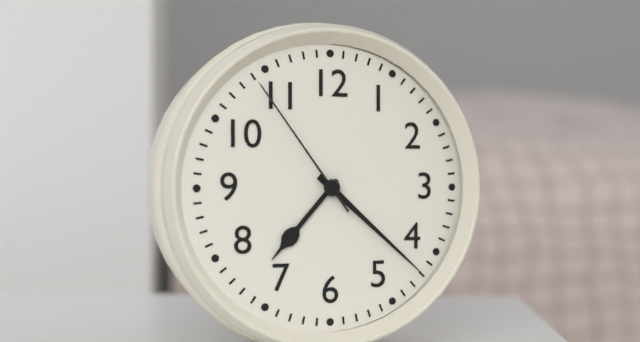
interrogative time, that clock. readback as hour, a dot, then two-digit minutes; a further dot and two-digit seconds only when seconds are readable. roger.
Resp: 7.22.54
